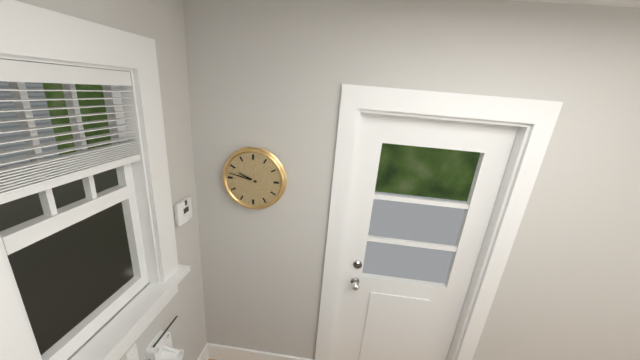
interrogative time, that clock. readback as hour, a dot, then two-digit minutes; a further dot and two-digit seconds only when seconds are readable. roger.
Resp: 9.47
